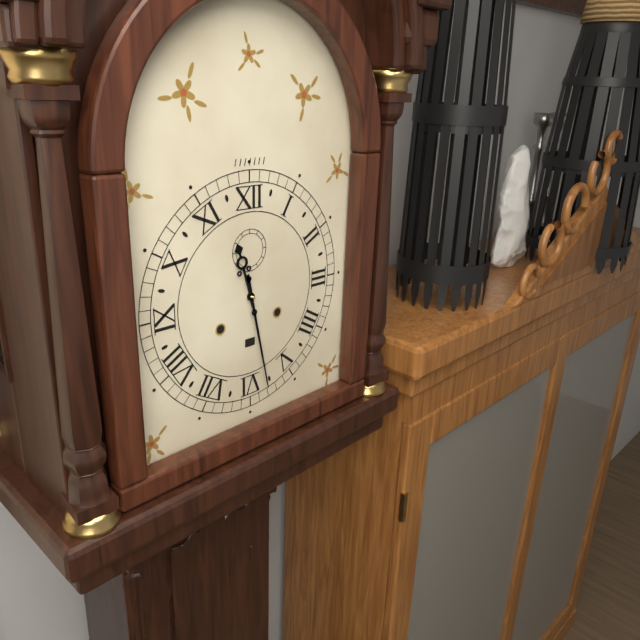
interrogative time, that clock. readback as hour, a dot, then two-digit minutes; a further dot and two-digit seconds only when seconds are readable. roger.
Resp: 11.28
